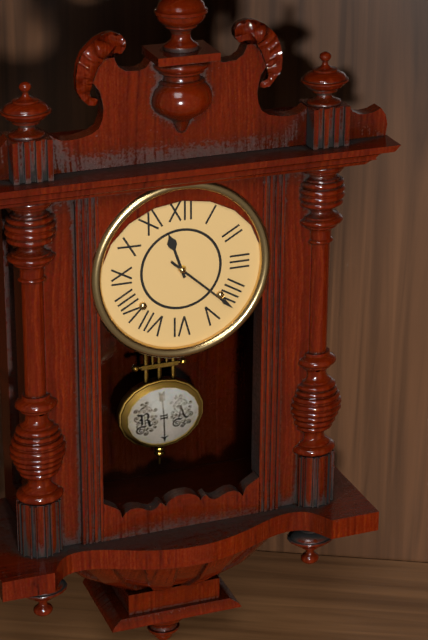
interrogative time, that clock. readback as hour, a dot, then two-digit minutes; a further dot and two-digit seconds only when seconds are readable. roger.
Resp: 11.22
